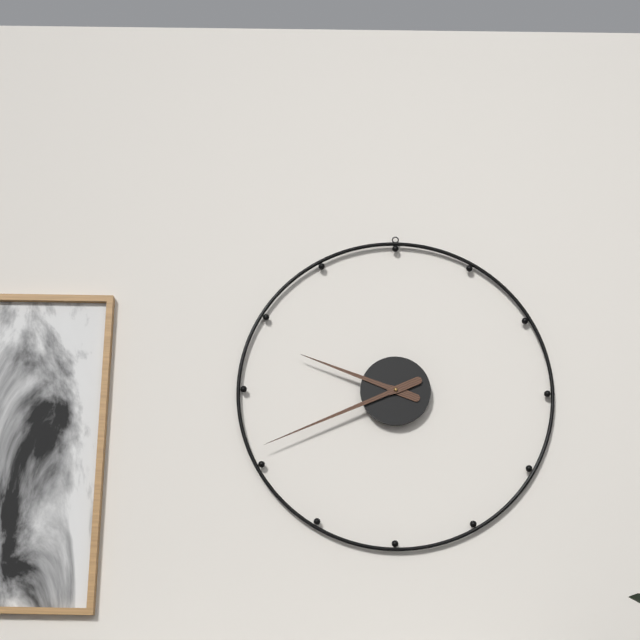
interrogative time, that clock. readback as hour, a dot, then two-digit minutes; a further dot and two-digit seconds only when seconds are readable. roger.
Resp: 9.41
